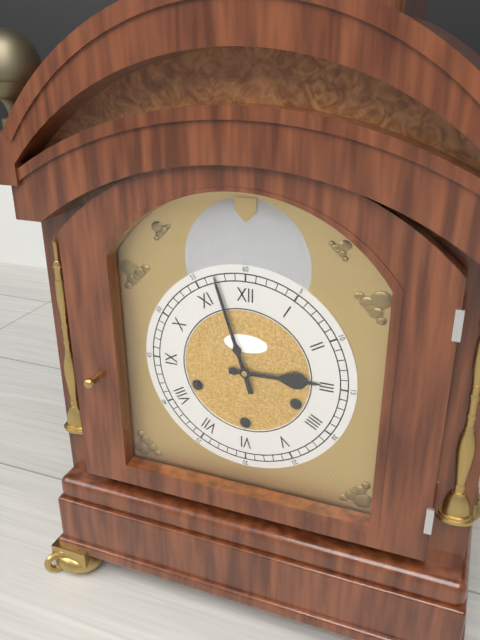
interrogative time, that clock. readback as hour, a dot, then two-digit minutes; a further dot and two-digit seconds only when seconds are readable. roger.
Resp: 2.57
